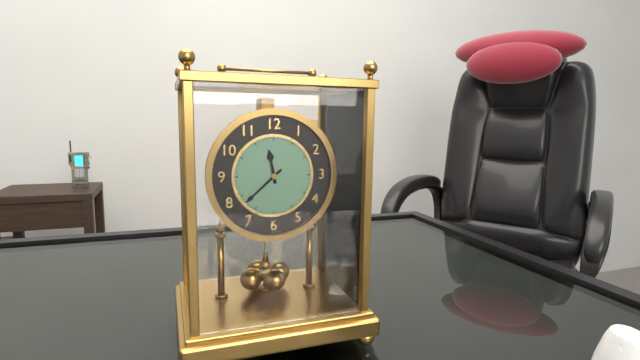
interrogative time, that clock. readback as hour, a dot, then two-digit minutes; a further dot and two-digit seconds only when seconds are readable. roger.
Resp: 11.38
